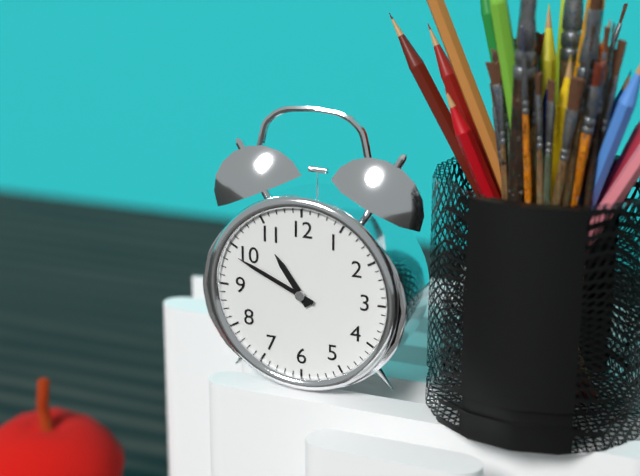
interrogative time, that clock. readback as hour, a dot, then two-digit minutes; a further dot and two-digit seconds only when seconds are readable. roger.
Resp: 10.49
